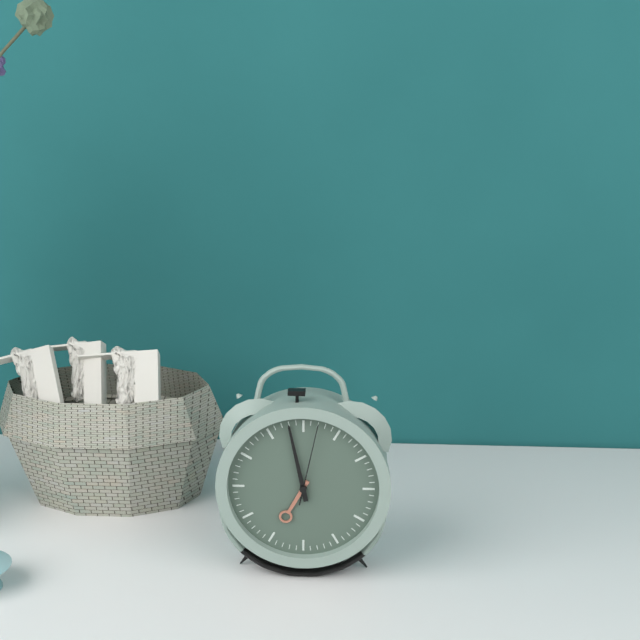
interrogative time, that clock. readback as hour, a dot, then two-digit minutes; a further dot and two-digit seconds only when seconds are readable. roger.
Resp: 6.58.02
